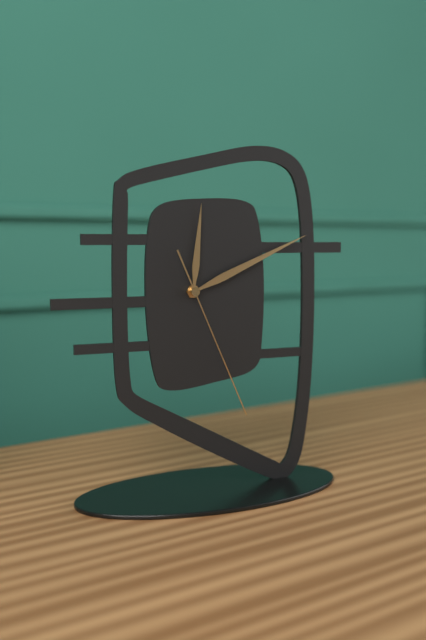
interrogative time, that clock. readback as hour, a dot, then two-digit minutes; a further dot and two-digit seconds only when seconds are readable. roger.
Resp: 12.11.26
